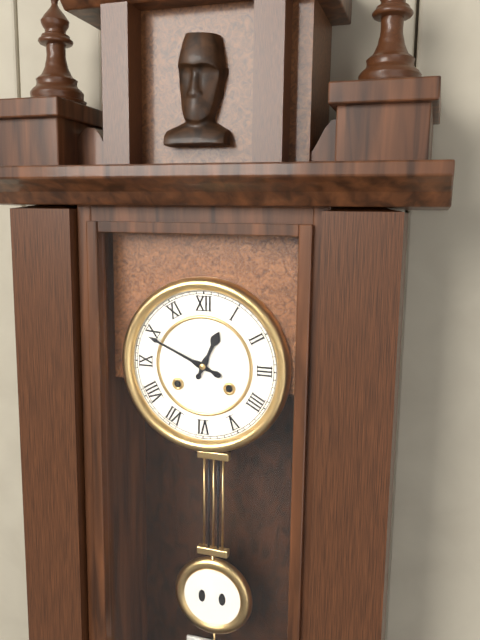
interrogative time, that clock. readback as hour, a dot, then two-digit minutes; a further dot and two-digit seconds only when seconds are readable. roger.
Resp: 12.49
